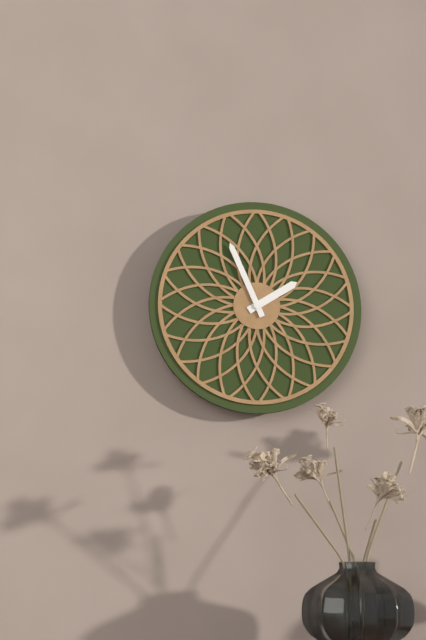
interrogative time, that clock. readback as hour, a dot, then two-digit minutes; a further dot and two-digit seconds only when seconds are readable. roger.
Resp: 1.56
